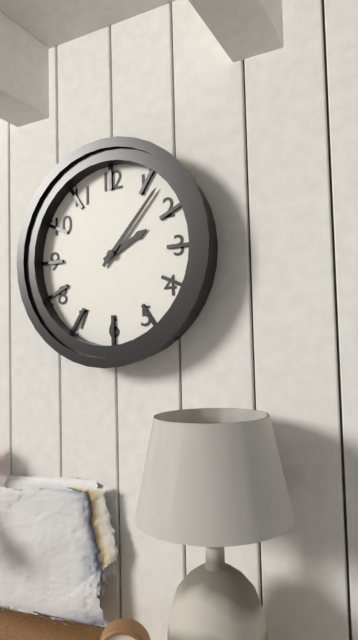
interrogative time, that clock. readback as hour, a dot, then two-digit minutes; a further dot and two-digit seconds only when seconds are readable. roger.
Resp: 2.07
